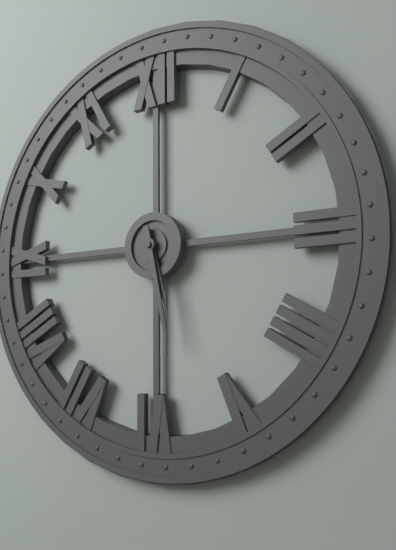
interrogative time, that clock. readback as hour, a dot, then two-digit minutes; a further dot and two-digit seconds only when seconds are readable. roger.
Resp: 5.28
